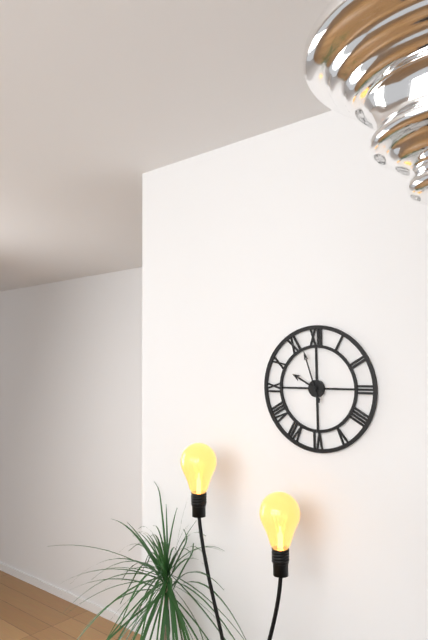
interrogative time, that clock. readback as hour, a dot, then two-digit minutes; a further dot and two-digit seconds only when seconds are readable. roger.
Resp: 9.57
